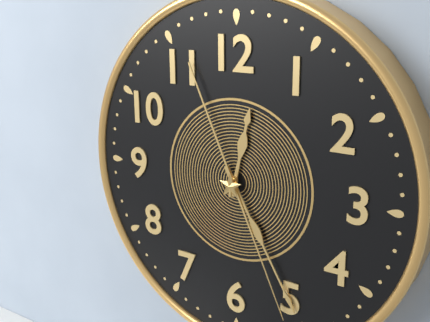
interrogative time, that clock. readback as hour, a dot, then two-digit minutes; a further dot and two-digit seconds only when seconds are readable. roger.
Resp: 12.25.26
